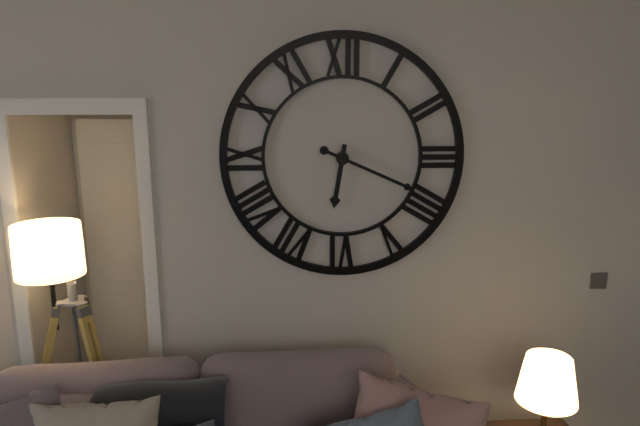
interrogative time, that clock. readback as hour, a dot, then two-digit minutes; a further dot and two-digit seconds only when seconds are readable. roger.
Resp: 6.19
